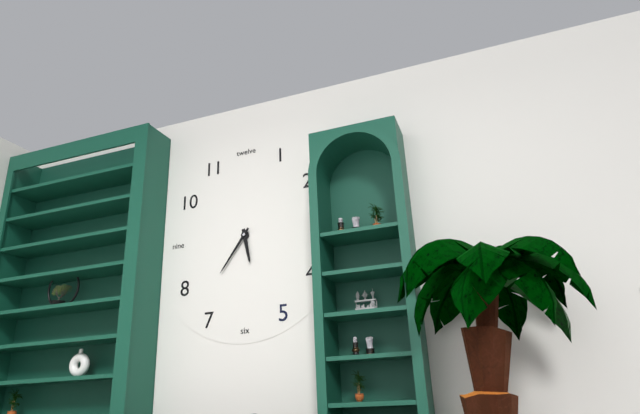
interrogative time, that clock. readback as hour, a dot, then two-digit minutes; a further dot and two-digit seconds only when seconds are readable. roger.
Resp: 5.36
